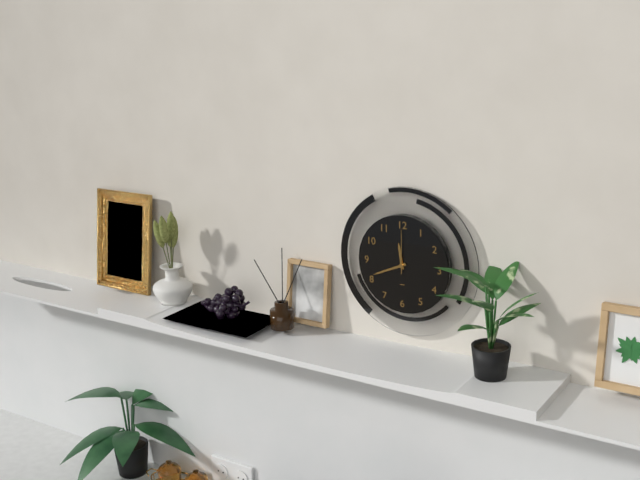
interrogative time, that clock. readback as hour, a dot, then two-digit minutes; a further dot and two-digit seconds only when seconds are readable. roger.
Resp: 11.41
